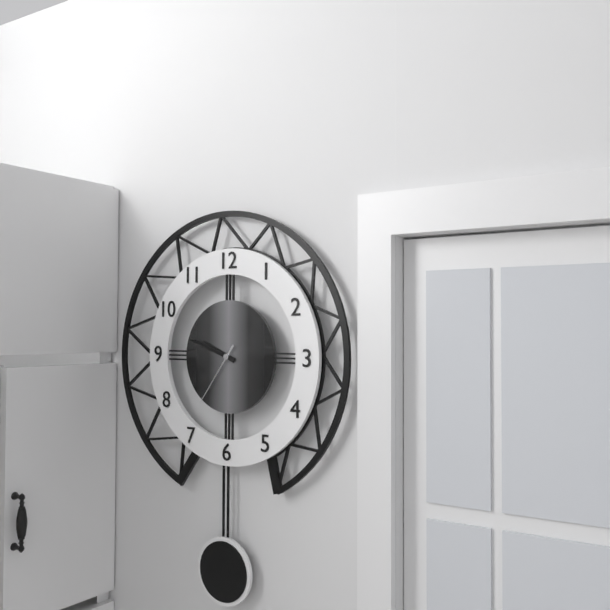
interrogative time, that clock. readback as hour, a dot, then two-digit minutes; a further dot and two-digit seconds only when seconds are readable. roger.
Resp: 9.48.36
